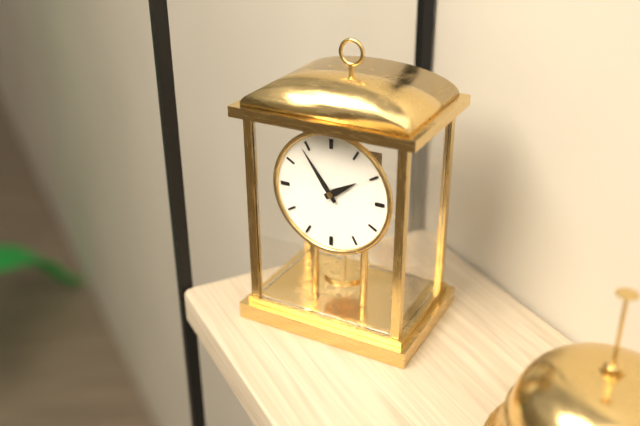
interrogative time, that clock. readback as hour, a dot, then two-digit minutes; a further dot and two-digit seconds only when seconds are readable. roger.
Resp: 1.54
